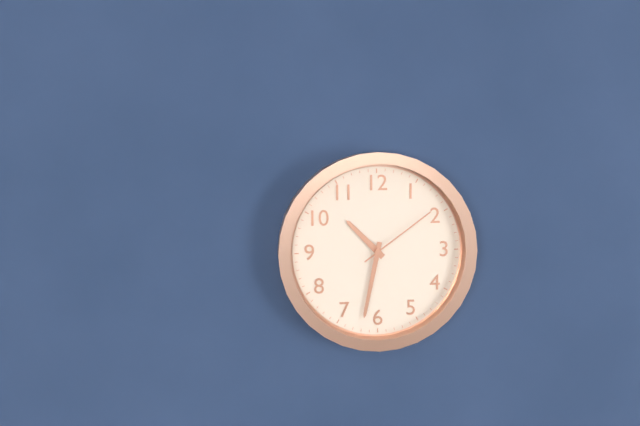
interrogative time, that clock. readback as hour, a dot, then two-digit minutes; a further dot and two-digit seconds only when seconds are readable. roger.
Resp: 10.32.09
